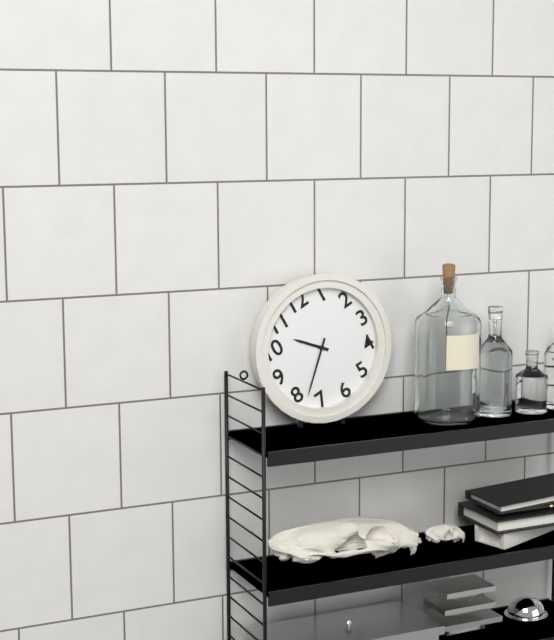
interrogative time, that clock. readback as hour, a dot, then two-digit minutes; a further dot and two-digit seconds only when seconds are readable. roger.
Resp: 10.38
